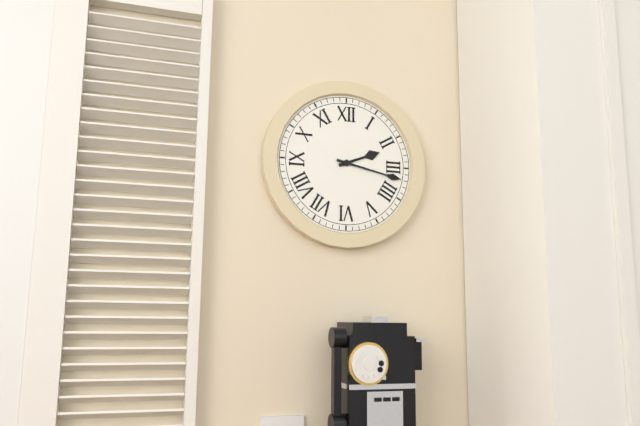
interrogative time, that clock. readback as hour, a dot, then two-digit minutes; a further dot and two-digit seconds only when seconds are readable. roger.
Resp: 2.17
